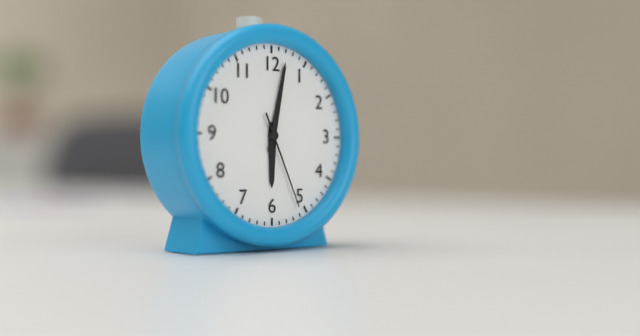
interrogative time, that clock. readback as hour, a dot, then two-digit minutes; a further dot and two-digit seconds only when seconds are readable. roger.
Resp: 6.02.26
